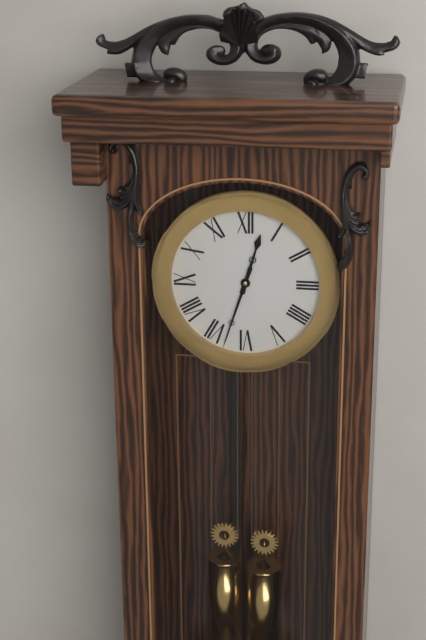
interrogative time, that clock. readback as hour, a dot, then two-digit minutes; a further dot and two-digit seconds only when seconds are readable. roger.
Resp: 12.33
